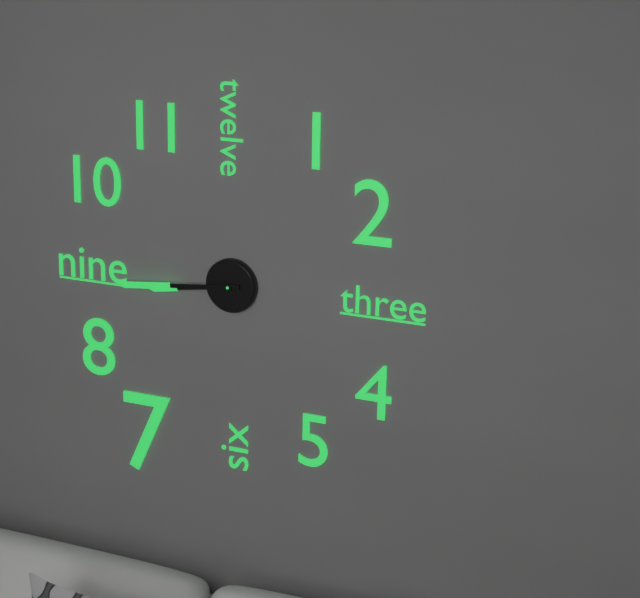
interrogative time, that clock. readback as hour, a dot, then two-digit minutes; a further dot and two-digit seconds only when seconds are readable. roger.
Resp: 8.44
